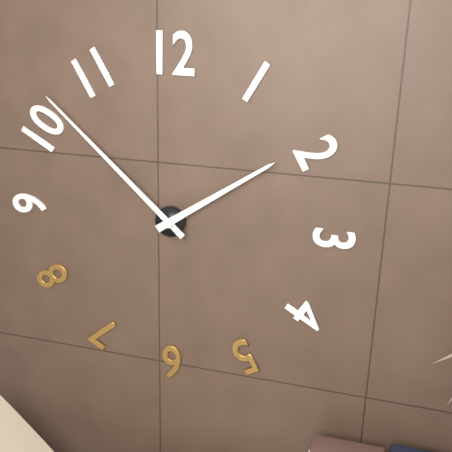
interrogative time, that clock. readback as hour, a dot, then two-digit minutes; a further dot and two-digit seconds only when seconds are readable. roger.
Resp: 1.52
